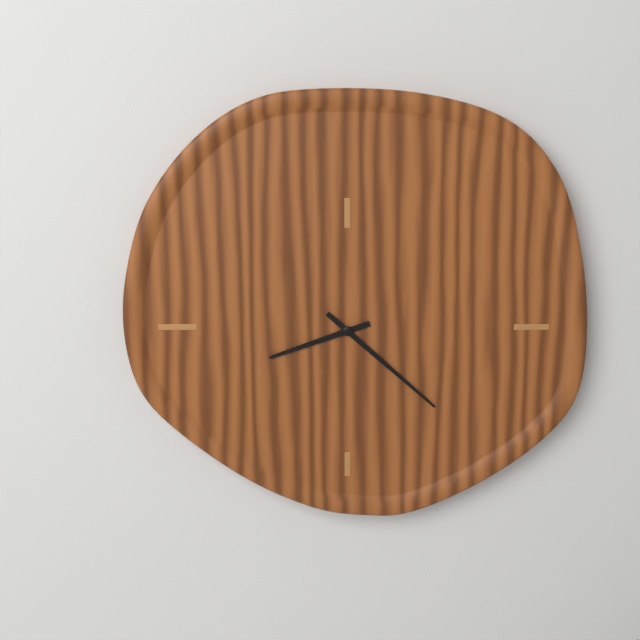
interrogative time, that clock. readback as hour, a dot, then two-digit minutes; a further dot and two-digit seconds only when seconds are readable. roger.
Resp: 8.22
